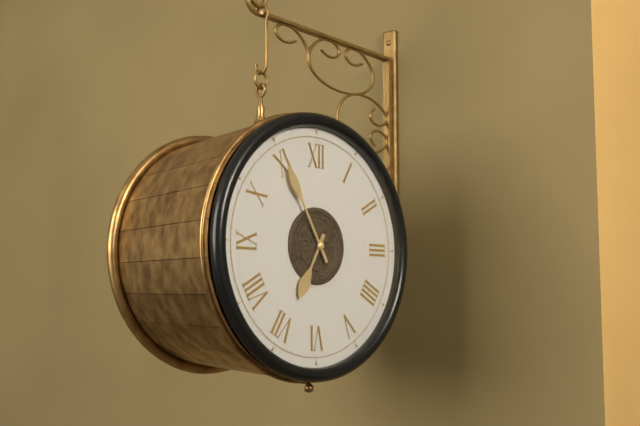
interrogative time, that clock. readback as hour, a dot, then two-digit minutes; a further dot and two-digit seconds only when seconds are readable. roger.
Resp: 6.55
